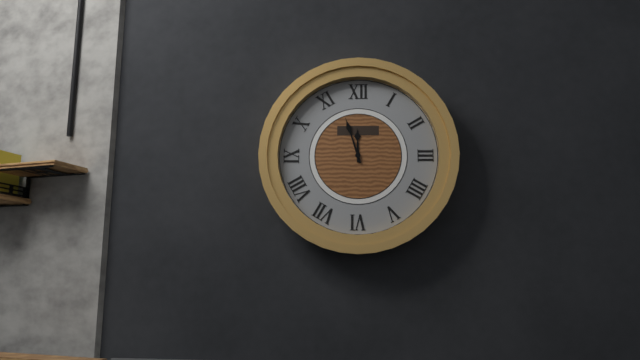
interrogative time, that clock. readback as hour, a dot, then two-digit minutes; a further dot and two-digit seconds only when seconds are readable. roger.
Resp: 11.57
